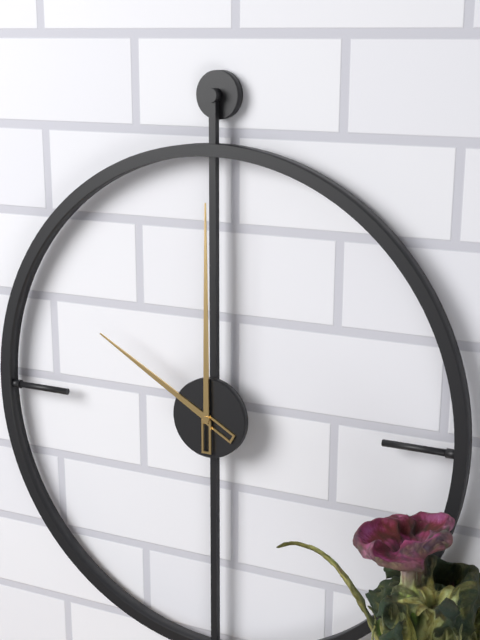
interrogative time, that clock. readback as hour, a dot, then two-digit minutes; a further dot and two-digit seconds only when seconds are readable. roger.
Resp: 10.00
